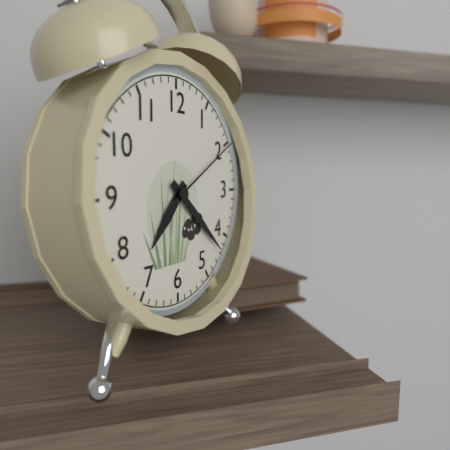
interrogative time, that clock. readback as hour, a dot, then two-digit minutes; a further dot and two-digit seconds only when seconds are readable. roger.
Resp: 7.22.10
